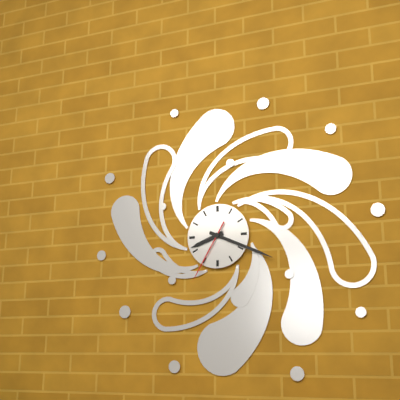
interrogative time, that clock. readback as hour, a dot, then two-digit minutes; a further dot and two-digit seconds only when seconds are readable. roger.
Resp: 8.19.35
